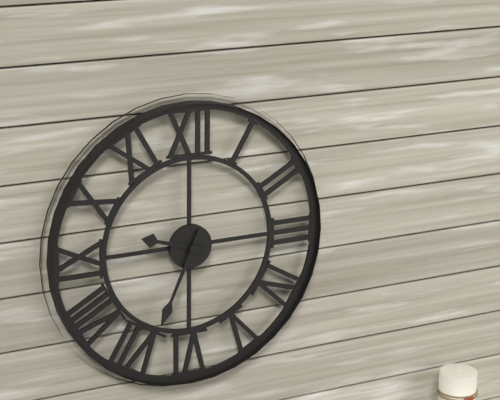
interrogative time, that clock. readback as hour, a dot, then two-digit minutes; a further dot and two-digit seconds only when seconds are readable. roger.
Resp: 9.34
